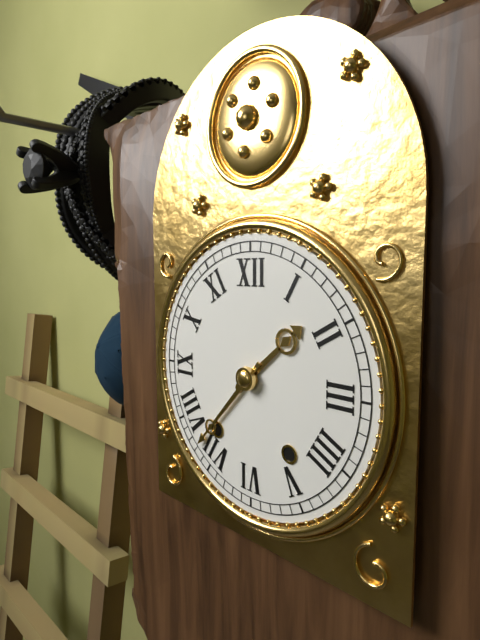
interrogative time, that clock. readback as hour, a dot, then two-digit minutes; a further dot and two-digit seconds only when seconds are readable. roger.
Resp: 1.37
